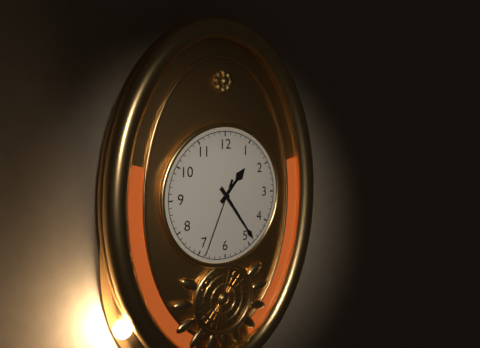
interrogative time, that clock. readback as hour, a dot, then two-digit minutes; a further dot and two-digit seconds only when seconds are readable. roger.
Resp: 1.24.34
